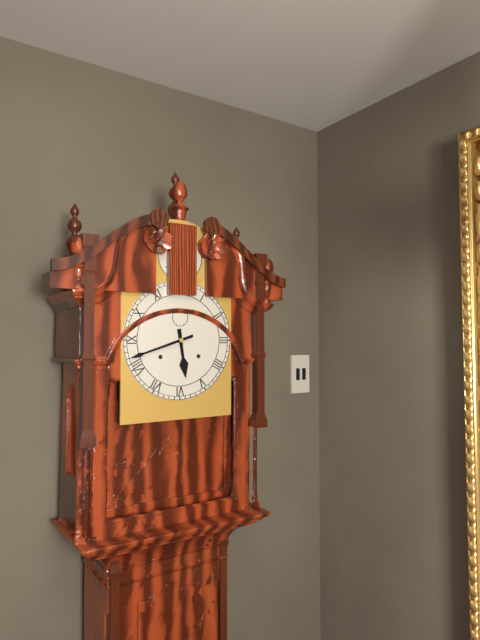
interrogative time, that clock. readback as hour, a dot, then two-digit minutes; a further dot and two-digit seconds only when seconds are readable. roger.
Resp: 5.42
